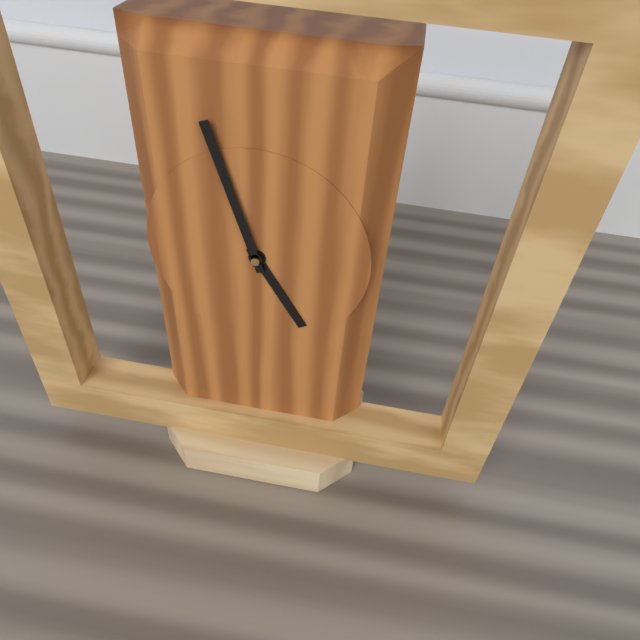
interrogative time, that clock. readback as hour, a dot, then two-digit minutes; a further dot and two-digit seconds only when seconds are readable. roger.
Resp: 4.57
